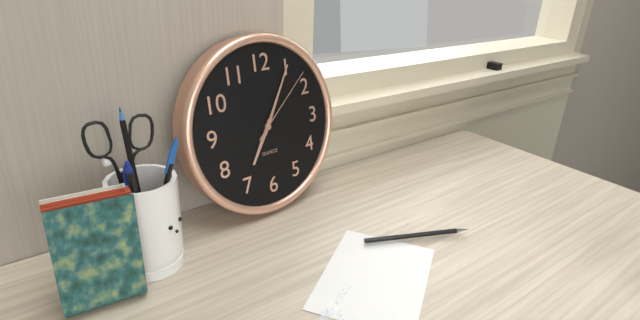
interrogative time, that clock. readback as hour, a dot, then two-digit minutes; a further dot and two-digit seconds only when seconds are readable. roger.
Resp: 7.05.08
